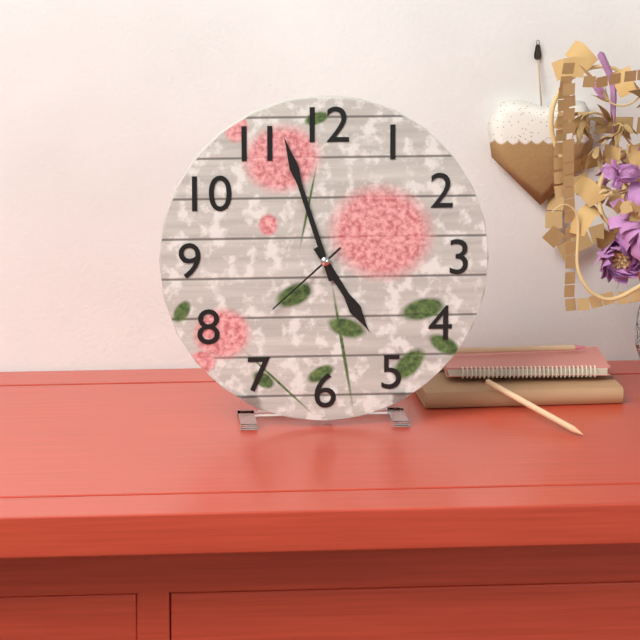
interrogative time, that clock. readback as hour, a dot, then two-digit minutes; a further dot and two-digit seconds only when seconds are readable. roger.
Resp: 4.57.38
